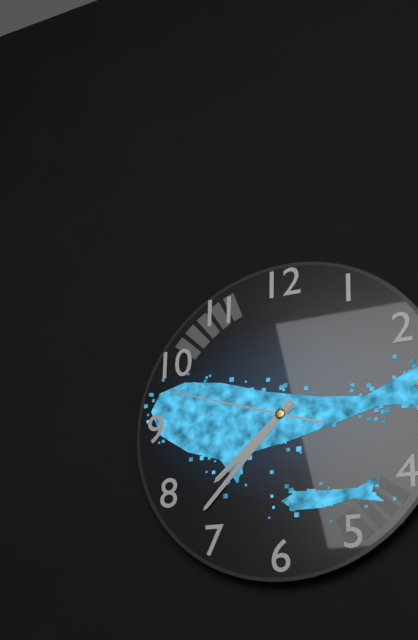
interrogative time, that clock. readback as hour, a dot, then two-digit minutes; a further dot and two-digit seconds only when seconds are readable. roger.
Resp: 7.37.48
